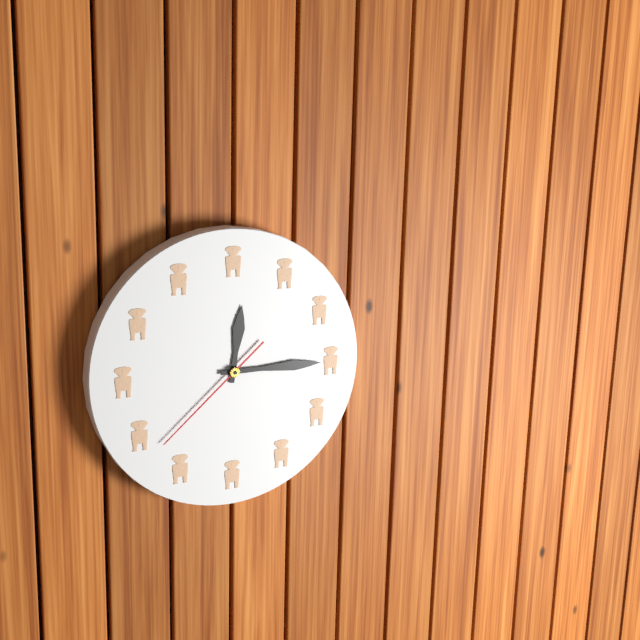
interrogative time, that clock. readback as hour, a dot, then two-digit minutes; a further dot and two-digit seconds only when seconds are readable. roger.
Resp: 12.15.38
